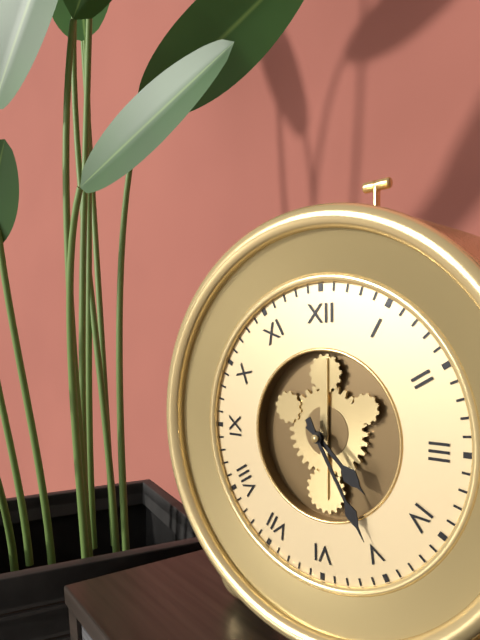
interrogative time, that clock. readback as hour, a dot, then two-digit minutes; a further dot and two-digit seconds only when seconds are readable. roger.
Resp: 4.25
